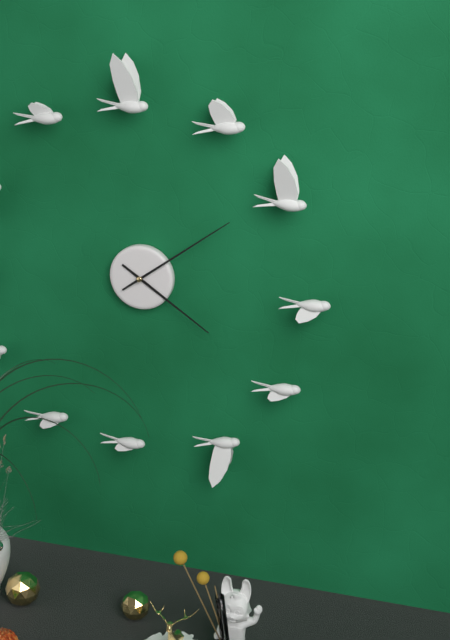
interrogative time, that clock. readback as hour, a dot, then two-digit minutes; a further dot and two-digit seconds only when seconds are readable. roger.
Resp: 4.09
